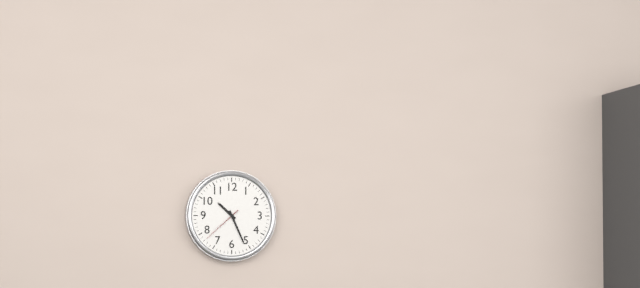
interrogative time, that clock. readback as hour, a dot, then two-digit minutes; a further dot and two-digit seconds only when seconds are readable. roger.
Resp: 10.26
